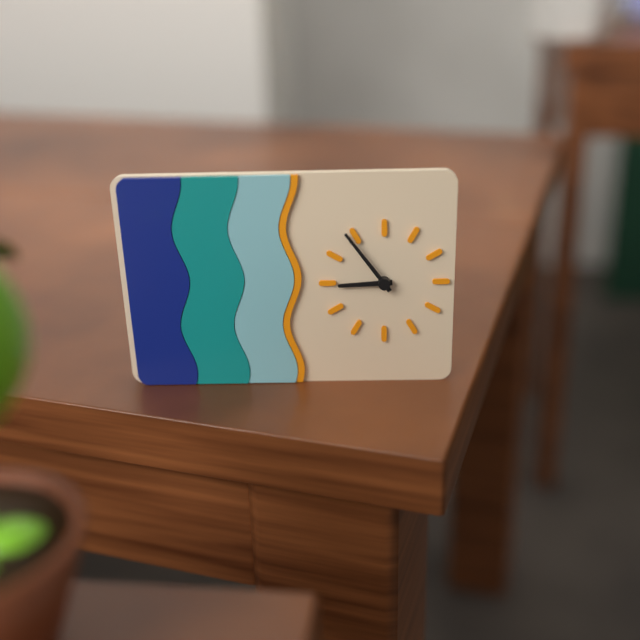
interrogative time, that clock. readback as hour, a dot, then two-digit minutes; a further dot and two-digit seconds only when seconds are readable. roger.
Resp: 8.54
